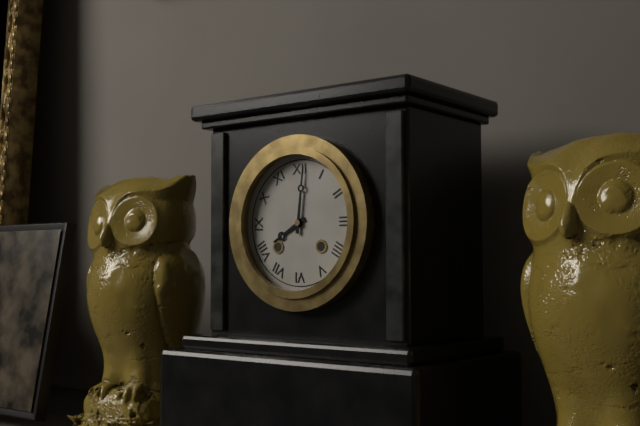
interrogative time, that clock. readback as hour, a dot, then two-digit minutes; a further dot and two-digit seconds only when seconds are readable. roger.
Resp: 8.01
